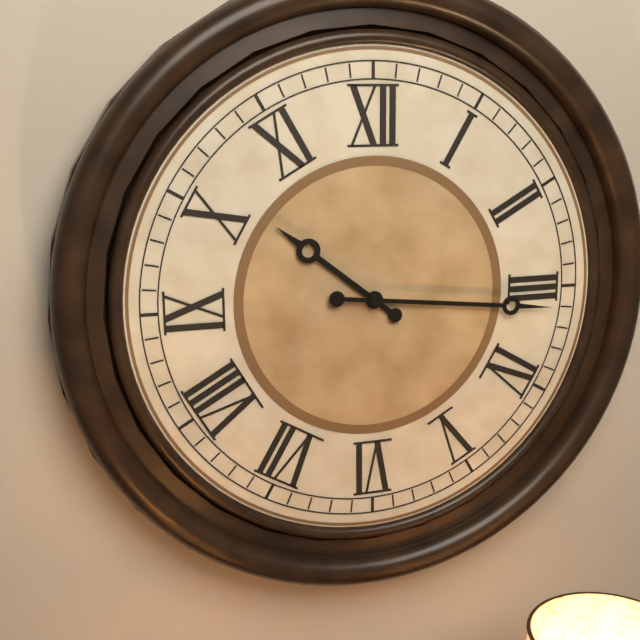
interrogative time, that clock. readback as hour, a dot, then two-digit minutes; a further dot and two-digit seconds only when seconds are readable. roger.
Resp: 10.16
